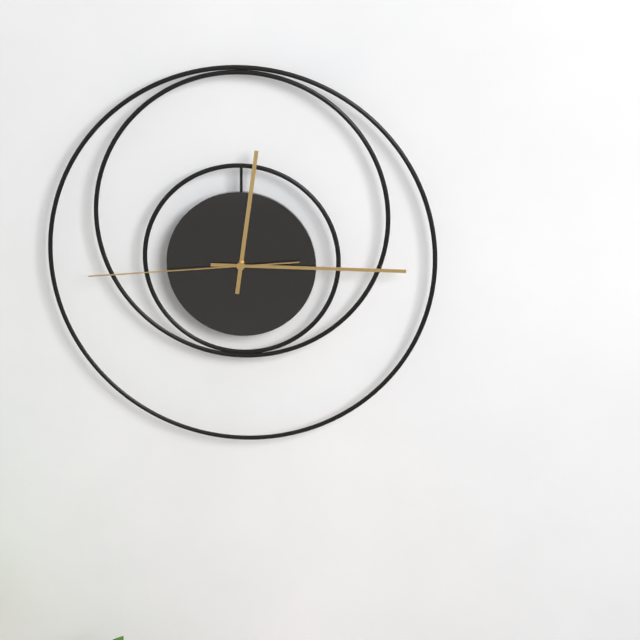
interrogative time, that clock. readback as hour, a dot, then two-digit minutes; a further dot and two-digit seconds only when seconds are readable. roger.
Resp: 12.15.44
